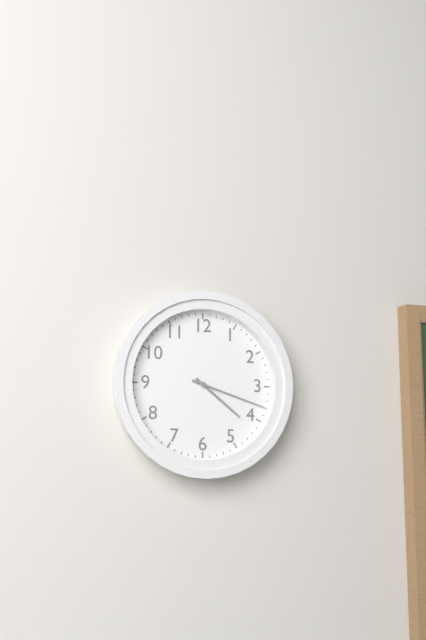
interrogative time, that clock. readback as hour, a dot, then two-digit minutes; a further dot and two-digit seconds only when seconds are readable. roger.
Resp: 4.18
